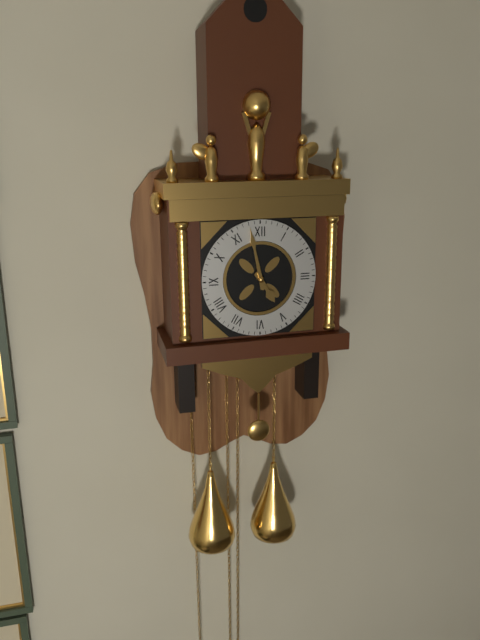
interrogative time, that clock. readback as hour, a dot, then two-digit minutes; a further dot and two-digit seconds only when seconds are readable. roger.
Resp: 4.58
